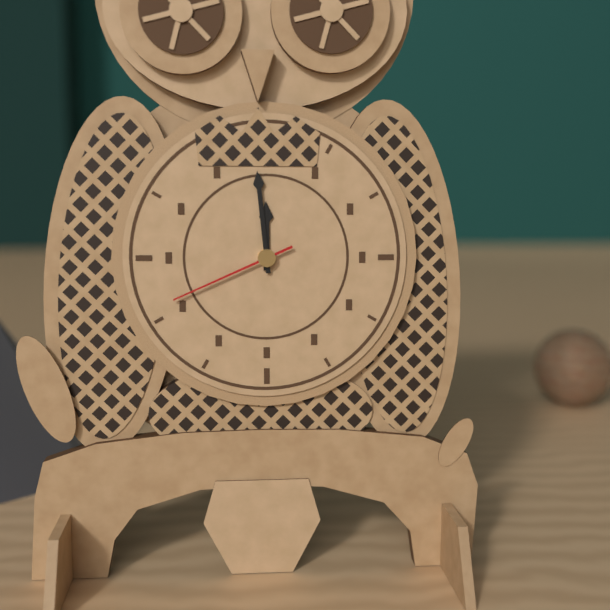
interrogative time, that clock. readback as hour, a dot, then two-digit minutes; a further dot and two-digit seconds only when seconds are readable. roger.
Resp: 11.59.41
